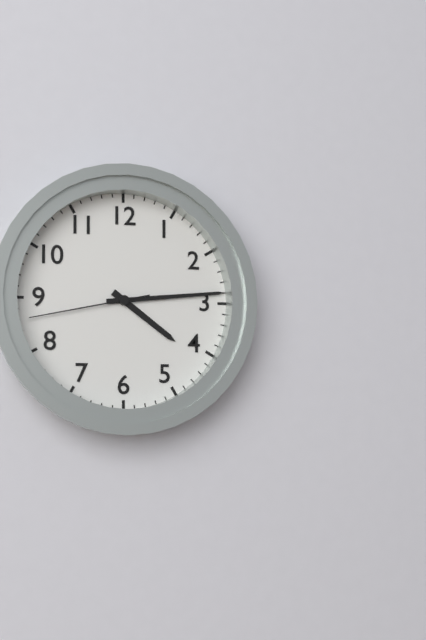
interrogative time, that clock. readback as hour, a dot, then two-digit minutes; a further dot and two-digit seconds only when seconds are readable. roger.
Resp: 4.14.43
